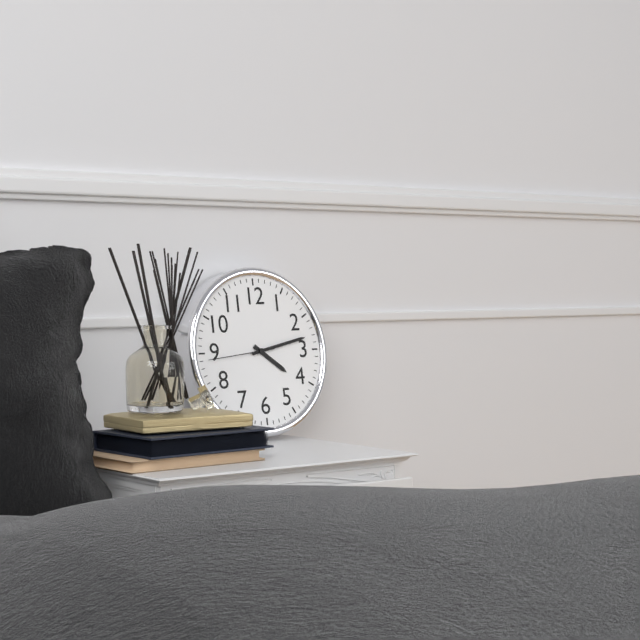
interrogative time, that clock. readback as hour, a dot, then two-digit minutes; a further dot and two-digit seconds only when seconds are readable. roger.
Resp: 4.13.44
